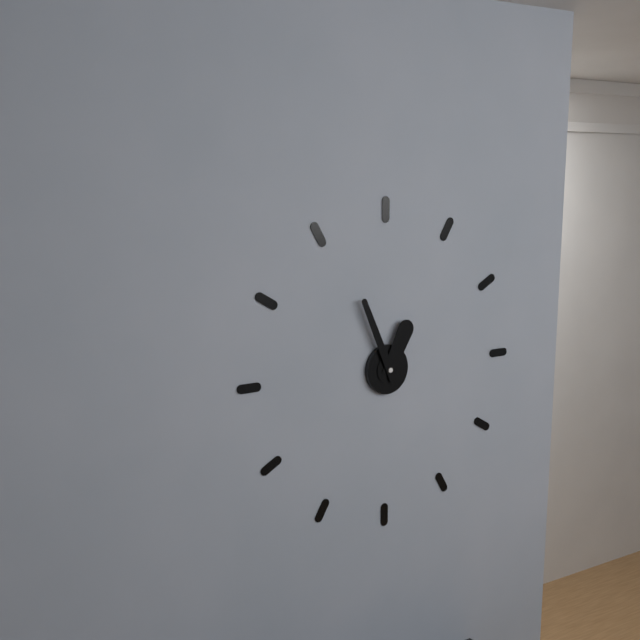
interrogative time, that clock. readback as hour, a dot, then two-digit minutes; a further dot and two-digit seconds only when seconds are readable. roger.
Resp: 12.56
